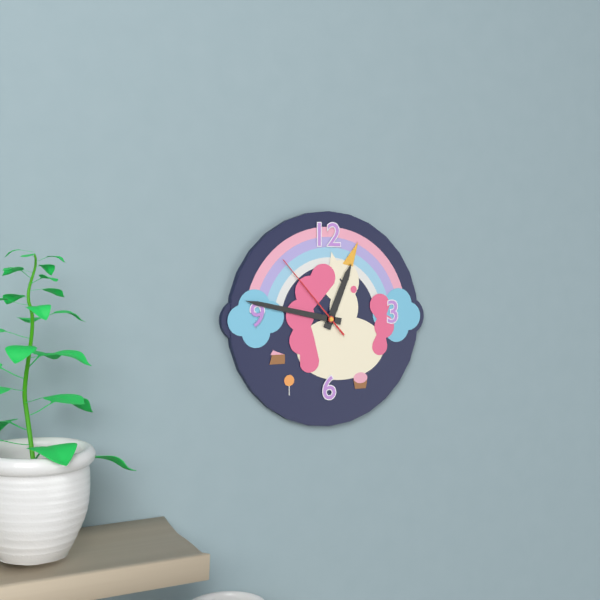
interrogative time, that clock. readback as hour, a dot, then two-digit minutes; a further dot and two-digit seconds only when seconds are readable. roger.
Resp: 12.47.53
